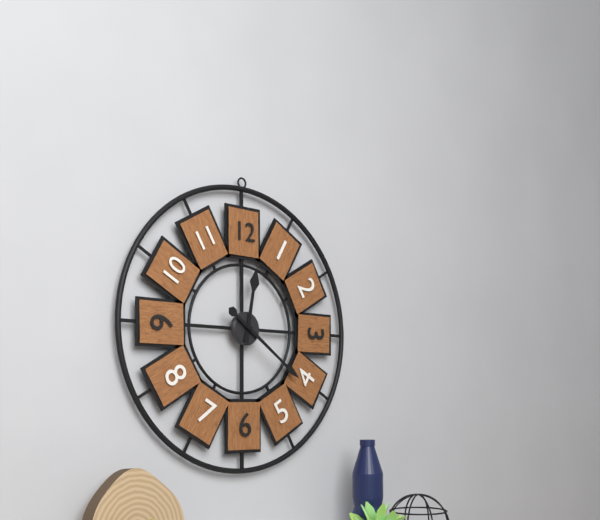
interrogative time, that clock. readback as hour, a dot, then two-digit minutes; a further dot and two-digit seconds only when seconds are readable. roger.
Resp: 12.21
